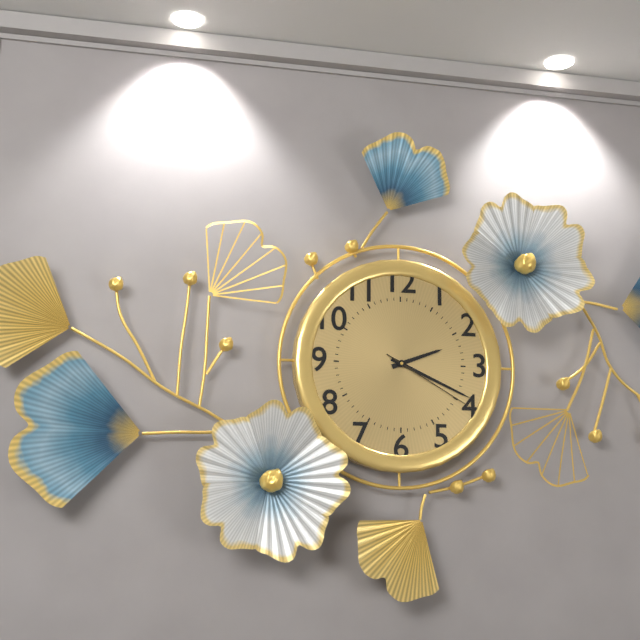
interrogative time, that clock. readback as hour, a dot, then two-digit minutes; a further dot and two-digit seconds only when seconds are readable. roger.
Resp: 2.19.20
